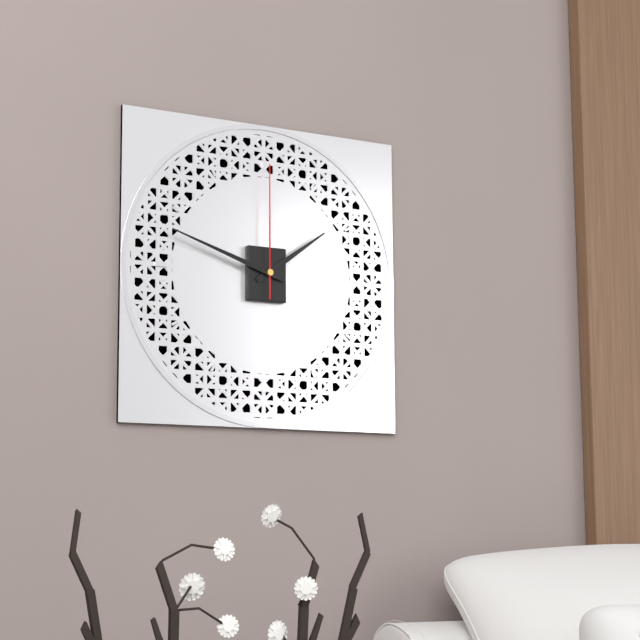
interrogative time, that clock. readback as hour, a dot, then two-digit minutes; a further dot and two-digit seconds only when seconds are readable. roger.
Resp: 1.48.00
